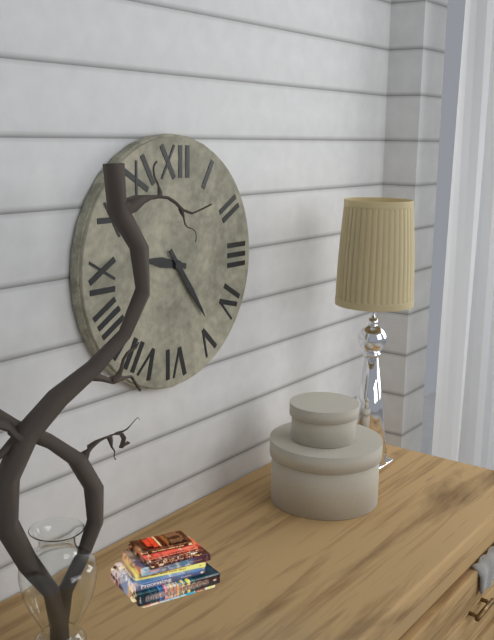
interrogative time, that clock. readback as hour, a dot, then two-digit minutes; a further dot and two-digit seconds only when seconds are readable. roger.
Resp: 9.24
